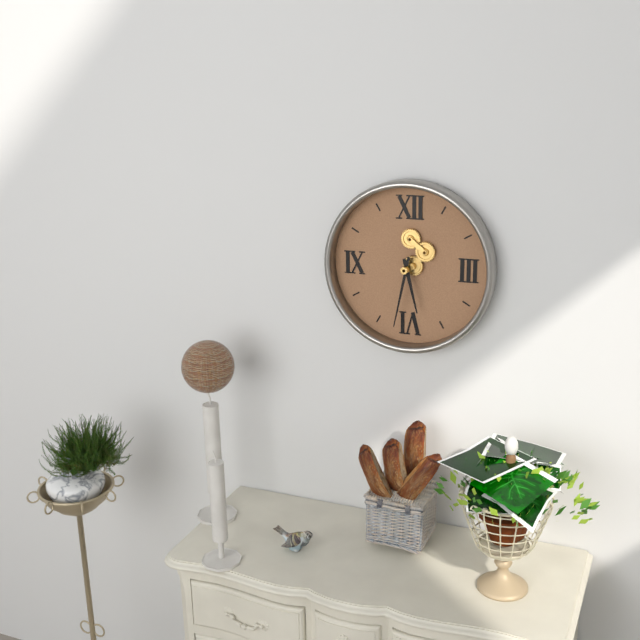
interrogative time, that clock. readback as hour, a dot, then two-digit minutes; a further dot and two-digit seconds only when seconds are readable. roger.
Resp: 5.32
